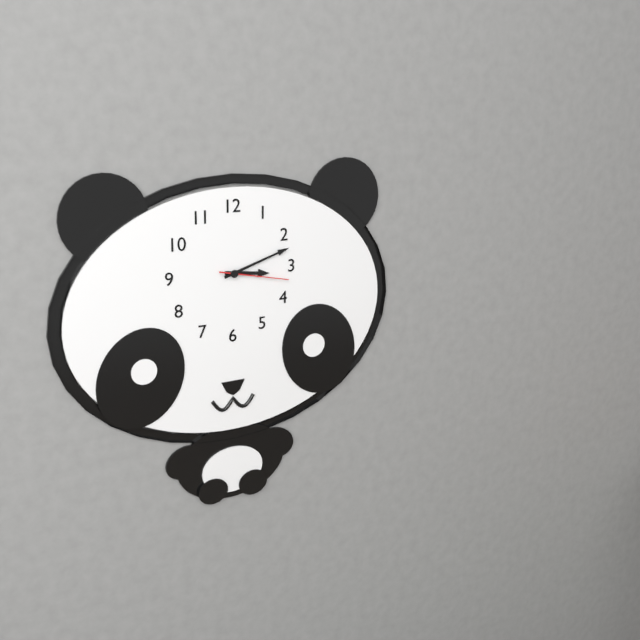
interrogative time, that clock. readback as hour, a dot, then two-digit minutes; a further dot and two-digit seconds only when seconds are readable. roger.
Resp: 3.12.17
